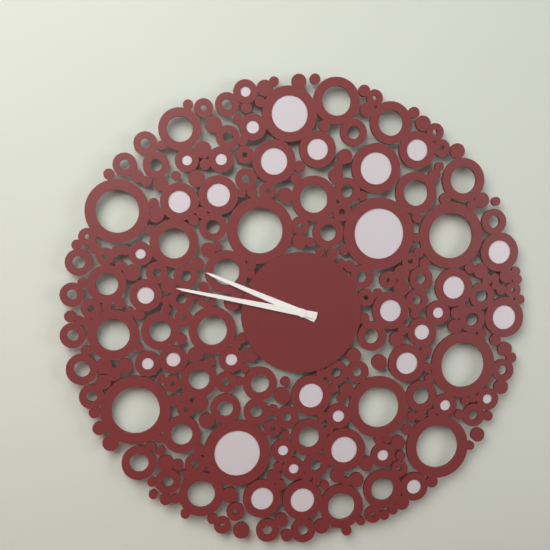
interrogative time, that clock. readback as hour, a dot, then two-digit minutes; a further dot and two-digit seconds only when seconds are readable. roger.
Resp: 9.47
